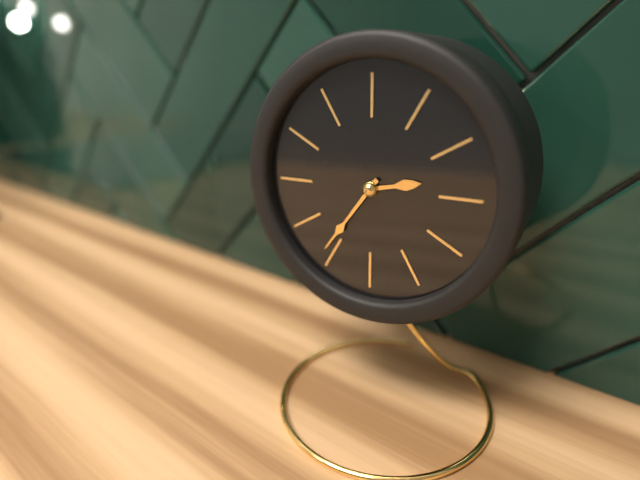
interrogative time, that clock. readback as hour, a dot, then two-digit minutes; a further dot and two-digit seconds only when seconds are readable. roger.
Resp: 2.36
